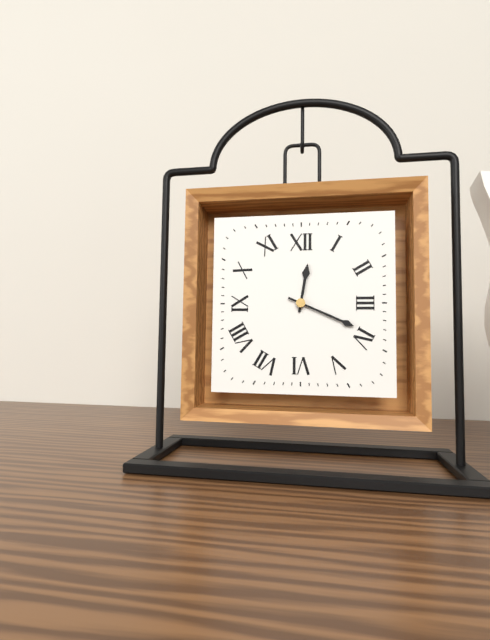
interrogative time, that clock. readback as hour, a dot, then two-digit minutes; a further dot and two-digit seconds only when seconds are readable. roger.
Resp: 12.19
